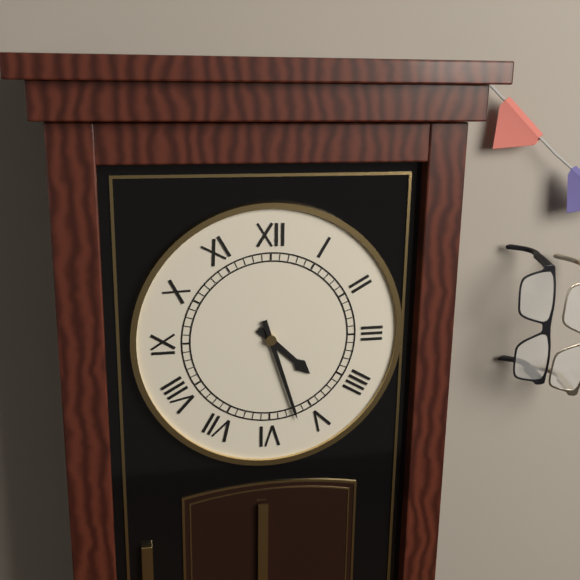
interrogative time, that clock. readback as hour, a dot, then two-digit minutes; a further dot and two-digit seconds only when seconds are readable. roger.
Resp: 4.27
